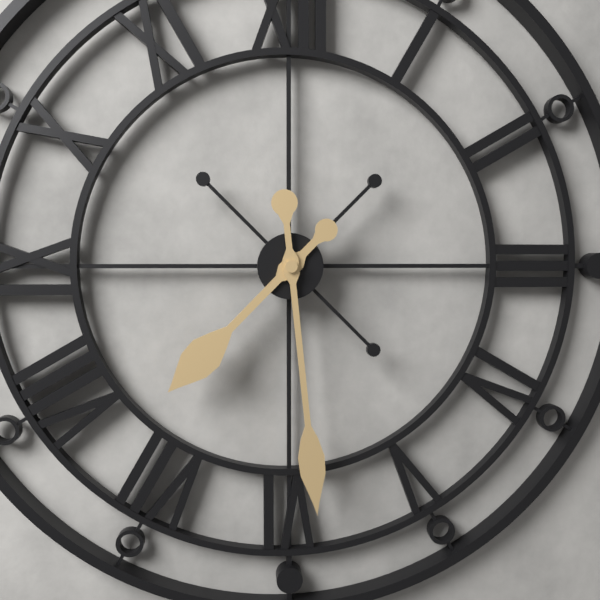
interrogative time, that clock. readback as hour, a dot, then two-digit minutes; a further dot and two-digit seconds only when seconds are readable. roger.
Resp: 7.29
